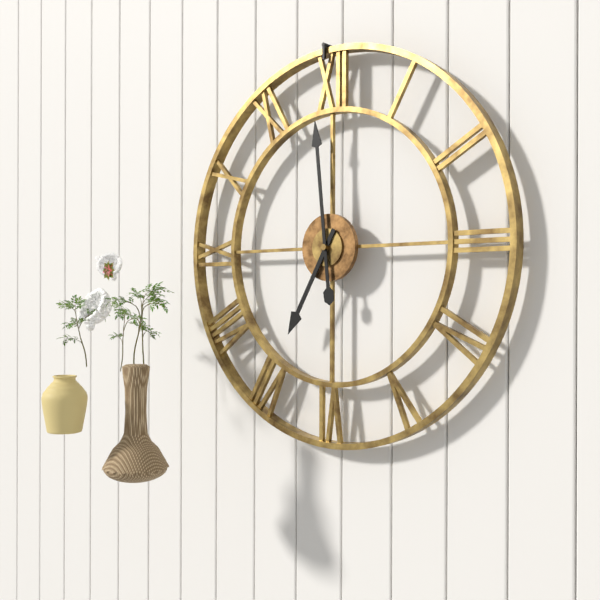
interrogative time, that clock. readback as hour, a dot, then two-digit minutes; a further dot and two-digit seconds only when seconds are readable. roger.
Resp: 6.59
